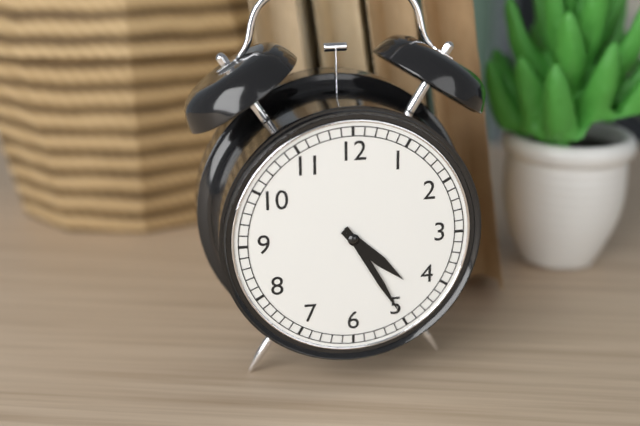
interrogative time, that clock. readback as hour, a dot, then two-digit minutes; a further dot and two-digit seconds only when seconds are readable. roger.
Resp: 4.25
